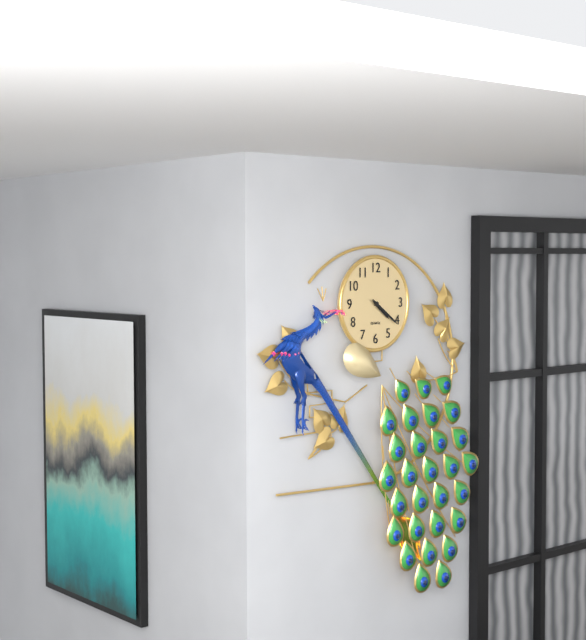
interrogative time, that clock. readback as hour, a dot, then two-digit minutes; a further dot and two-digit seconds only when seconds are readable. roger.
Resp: 4.21
